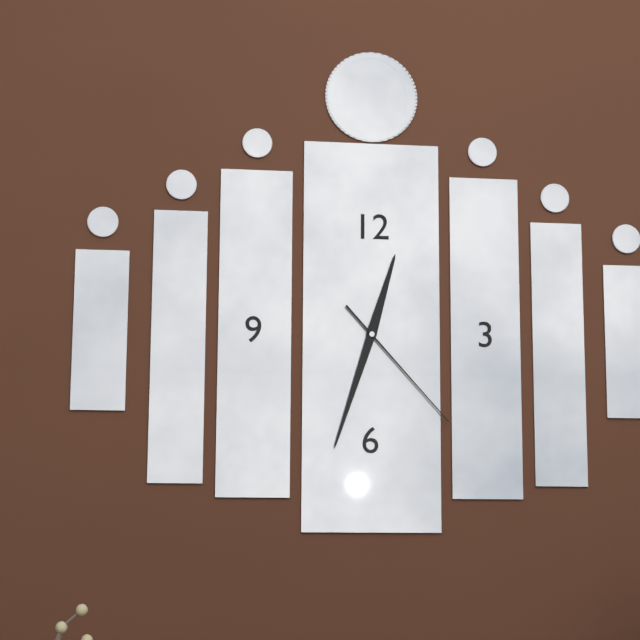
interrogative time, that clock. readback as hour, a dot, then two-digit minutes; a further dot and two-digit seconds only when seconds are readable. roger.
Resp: 12.33.23
